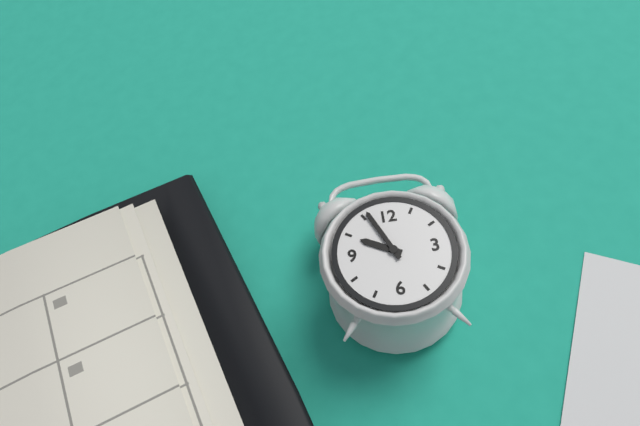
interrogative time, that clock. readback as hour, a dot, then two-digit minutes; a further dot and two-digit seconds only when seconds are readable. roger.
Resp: 9.56
